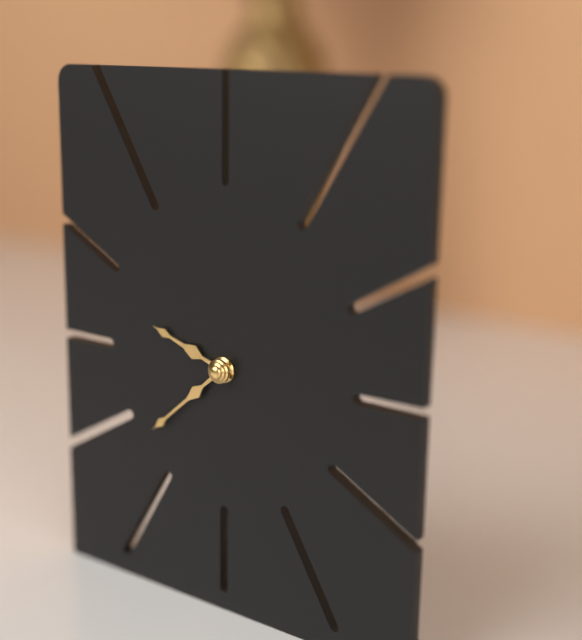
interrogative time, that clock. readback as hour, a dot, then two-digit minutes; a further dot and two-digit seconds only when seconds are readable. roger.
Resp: 9.38
